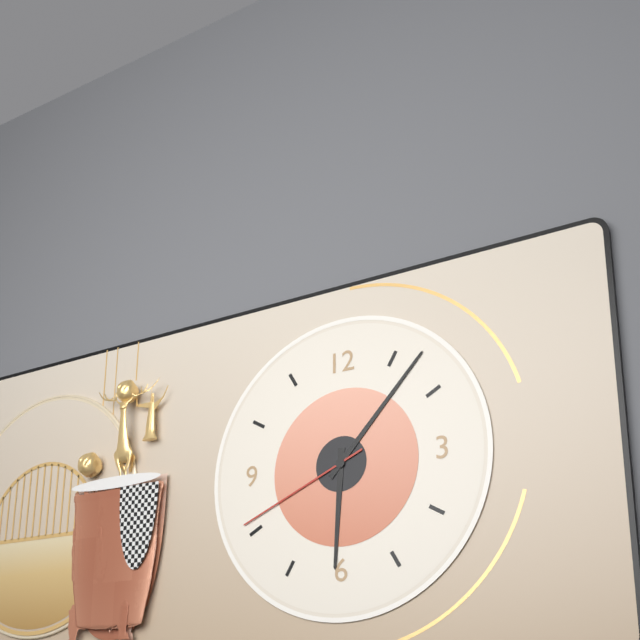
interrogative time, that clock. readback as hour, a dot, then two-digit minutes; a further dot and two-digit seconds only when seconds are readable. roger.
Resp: 6.07.41
